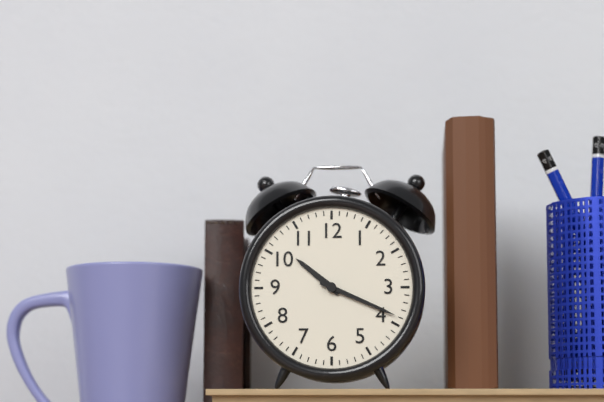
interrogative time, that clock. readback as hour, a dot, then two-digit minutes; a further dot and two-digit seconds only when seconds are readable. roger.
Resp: 10.19
